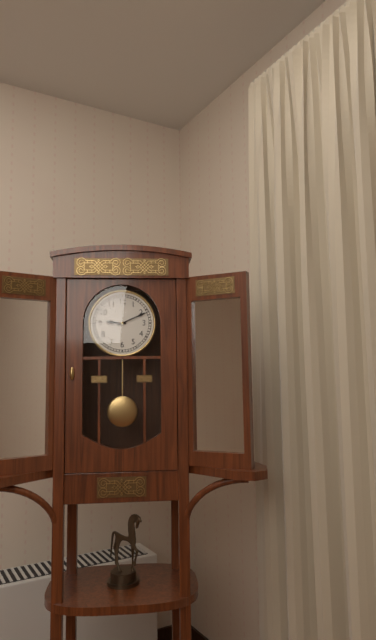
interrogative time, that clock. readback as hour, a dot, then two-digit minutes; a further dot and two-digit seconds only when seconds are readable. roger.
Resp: 9.11
